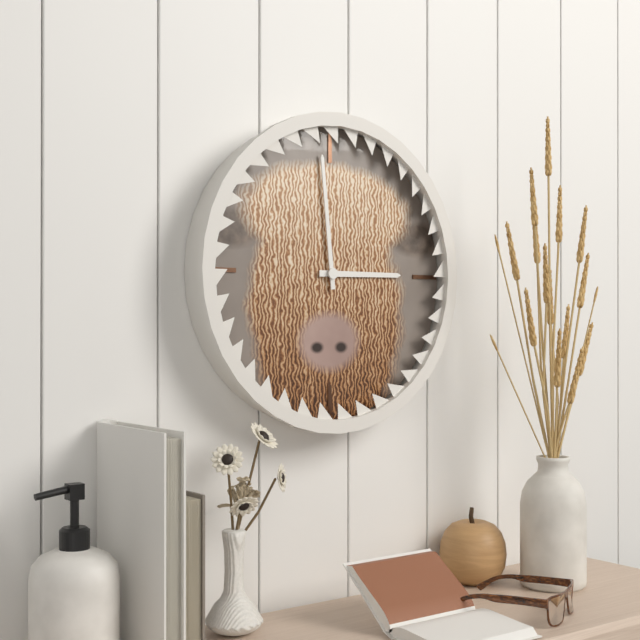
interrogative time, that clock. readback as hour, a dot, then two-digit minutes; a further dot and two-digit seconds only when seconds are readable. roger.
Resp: 2.59
